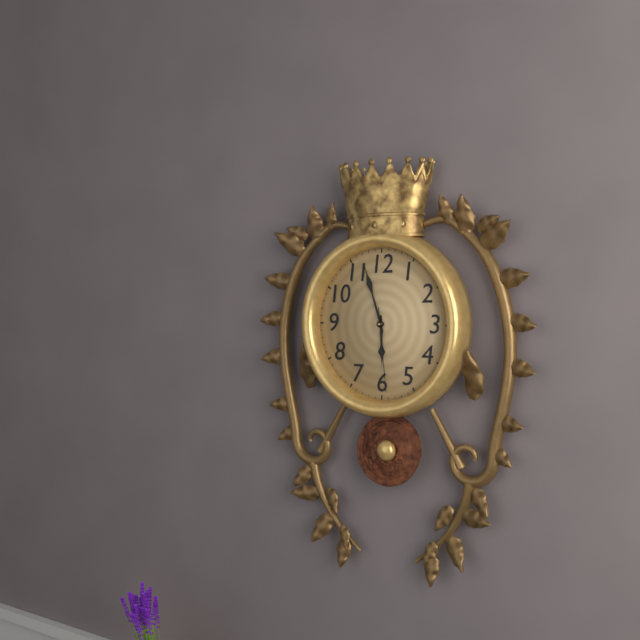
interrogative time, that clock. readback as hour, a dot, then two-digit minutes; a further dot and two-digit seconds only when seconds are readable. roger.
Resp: 5.57.29
